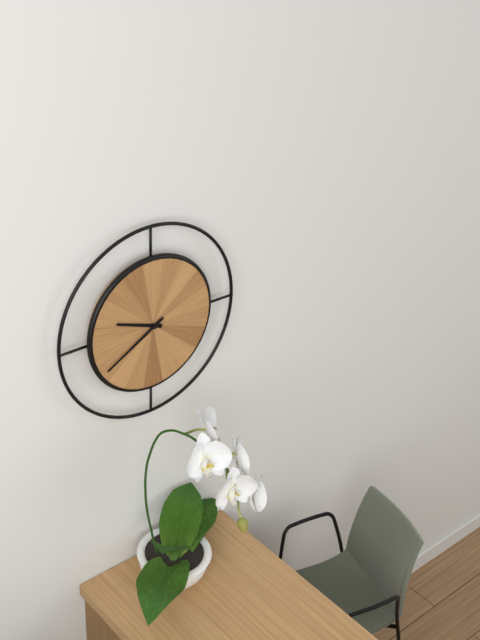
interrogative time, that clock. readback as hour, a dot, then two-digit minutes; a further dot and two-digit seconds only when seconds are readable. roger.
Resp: 9.40
